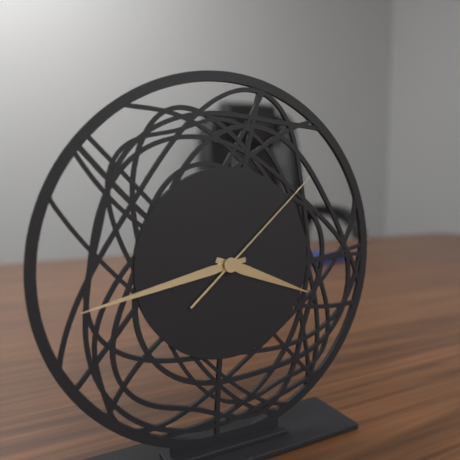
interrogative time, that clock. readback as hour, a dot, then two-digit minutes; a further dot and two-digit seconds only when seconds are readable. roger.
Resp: 3.43.08
